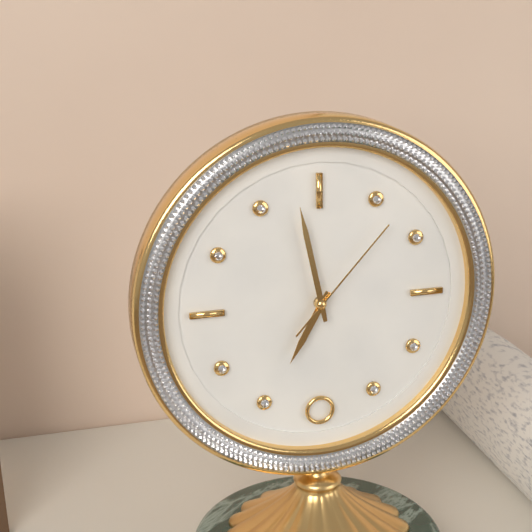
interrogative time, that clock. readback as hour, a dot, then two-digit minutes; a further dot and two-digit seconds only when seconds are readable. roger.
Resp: 6.58.07
